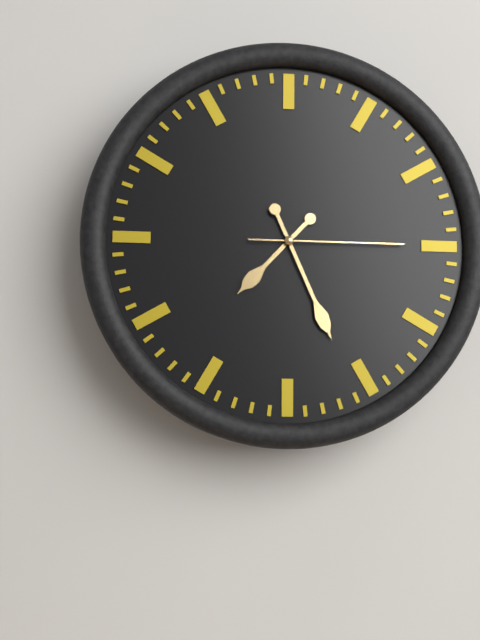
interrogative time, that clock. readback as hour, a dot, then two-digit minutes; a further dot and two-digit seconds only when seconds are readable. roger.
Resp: 7.26.15
